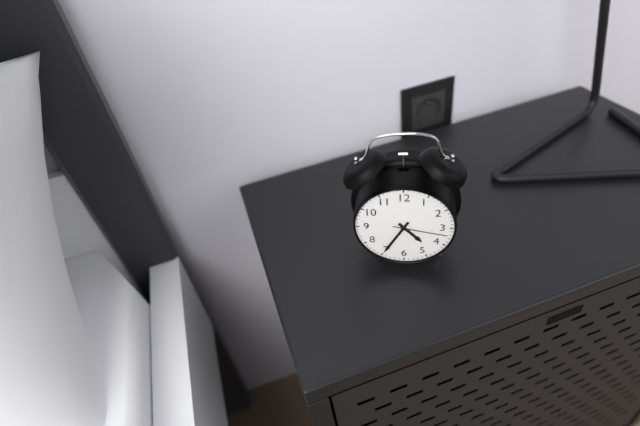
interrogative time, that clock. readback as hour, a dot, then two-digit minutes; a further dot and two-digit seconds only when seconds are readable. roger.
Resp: 4.35.17
